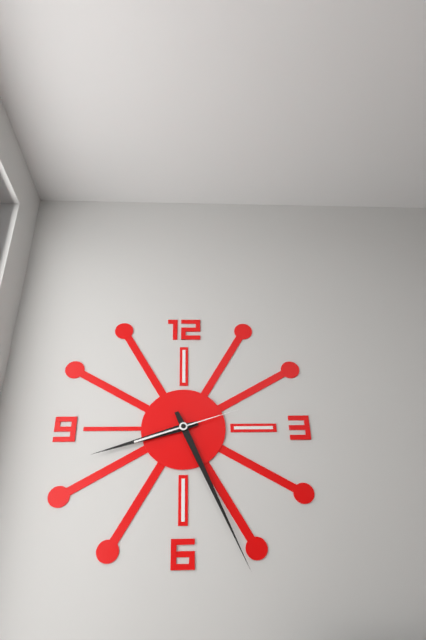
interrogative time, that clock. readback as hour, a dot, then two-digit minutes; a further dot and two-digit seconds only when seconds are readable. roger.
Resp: 8.26.12
